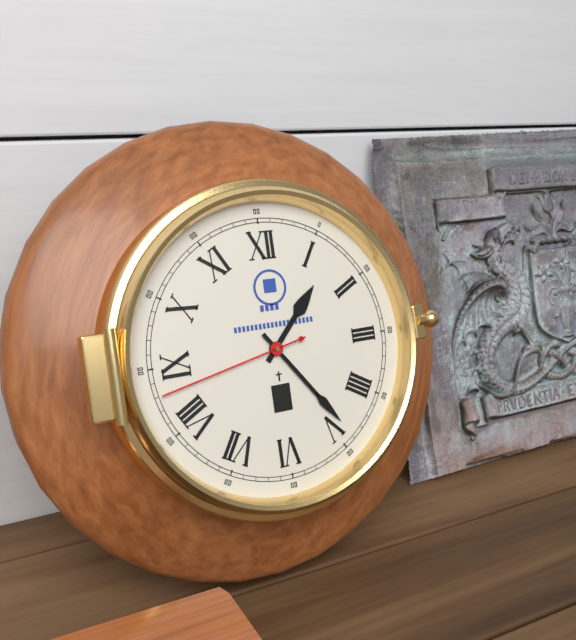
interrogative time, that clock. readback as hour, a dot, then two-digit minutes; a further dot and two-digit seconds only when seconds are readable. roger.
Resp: 1.24.43
